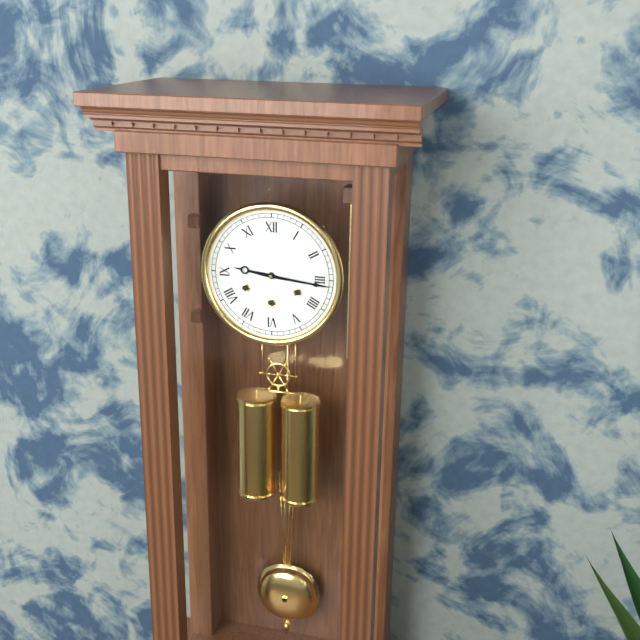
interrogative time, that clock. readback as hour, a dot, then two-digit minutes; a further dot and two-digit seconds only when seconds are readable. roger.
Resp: 9.16
